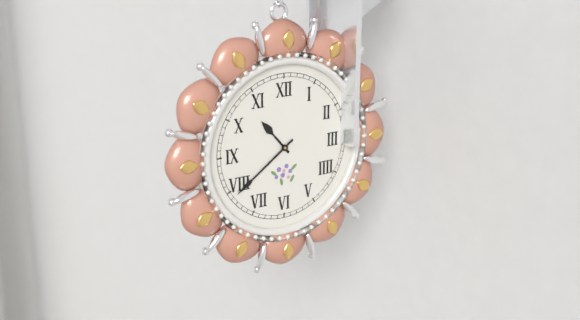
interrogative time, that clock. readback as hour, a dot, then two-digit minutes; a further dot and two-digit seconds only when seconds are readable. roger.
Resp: 10.39
